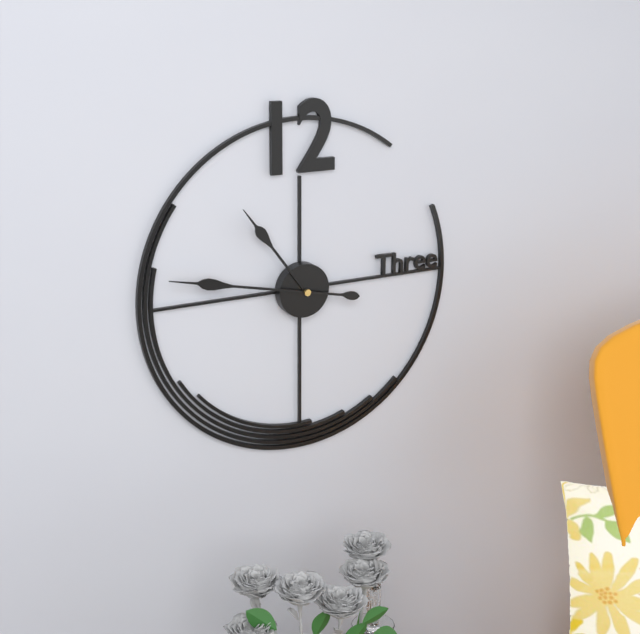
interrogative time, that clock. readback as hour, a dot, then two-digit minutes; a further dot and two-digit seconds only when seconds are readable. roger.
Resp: 10.47
